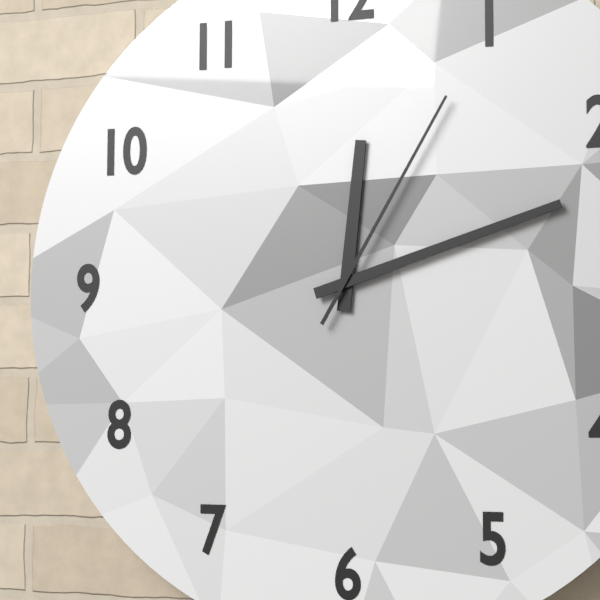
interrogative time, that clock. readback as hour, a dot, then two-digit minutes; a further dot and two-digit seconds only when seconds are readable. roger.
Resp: 12.12.05
